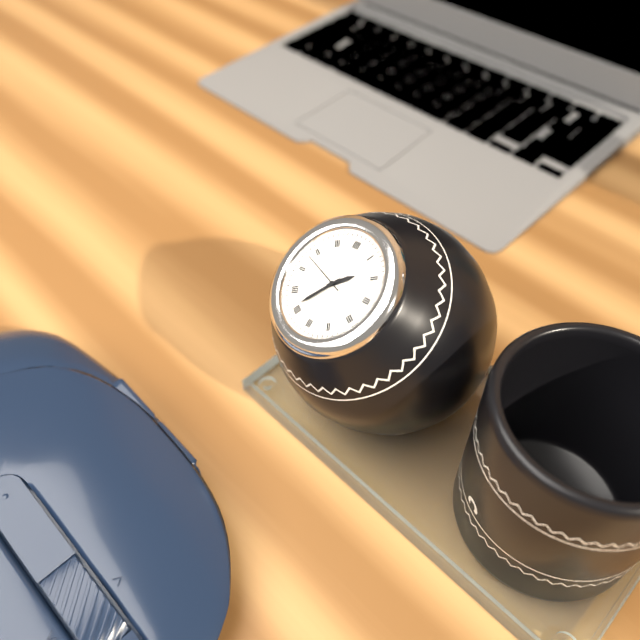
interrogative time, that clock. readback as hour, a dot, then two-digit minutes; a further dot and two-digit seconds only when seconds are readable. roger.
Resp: 1.36
